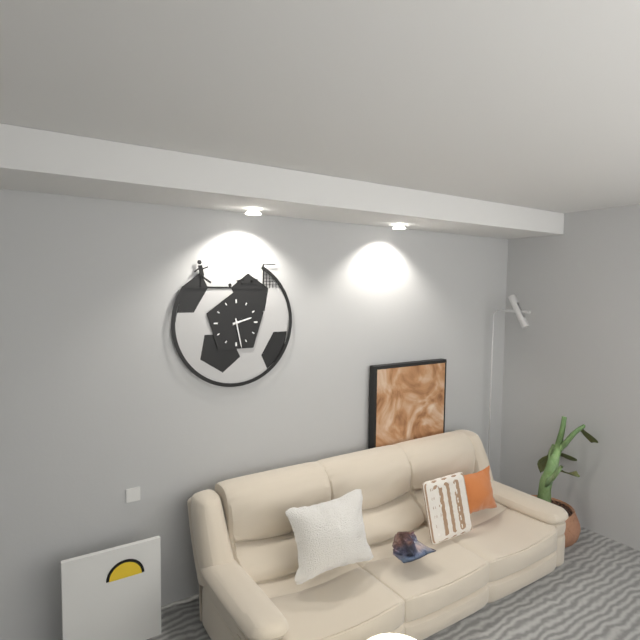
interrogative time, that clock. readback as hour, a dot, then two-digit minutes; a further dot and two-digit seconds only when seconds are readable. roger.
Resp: 2.28
